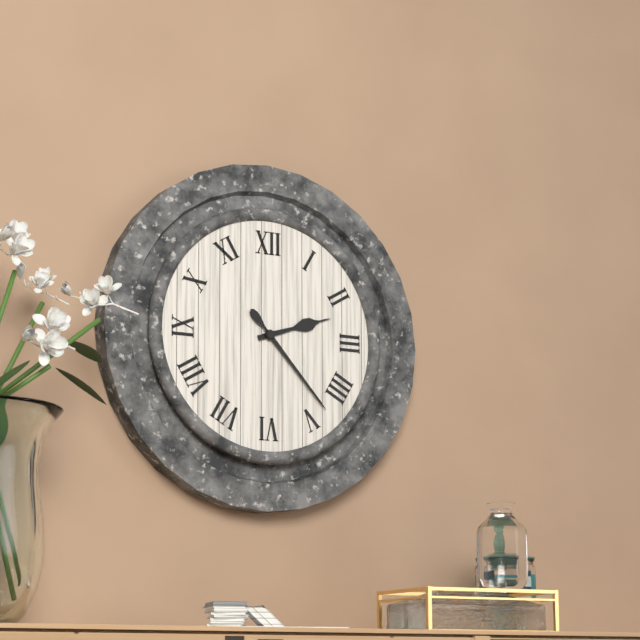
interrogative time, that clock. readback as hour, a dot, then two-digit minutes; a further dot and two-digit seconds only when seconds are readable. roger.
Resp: 2.23
